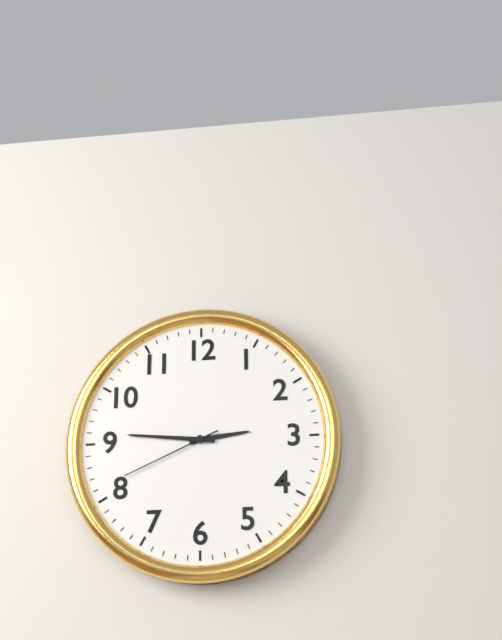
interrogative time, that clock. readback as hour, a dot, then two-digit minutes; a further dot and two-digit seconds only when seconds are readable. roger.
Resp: 2.46.41
